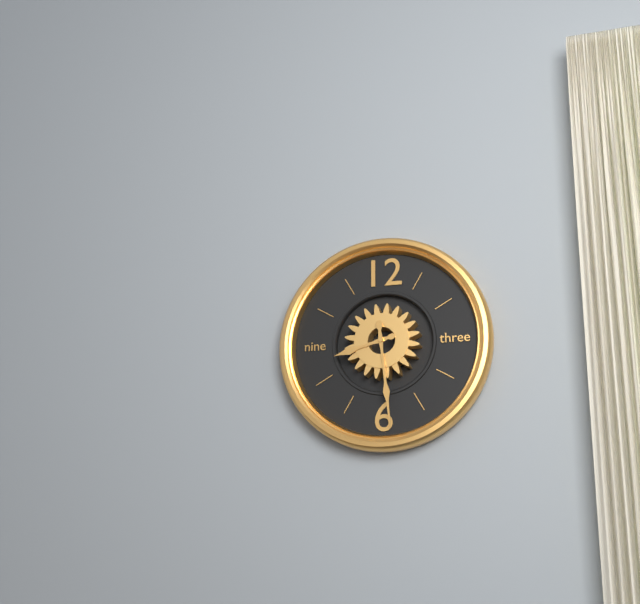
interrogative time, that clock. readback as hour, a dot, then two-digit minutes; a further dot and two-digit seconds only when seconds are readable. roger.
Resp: 8.29
